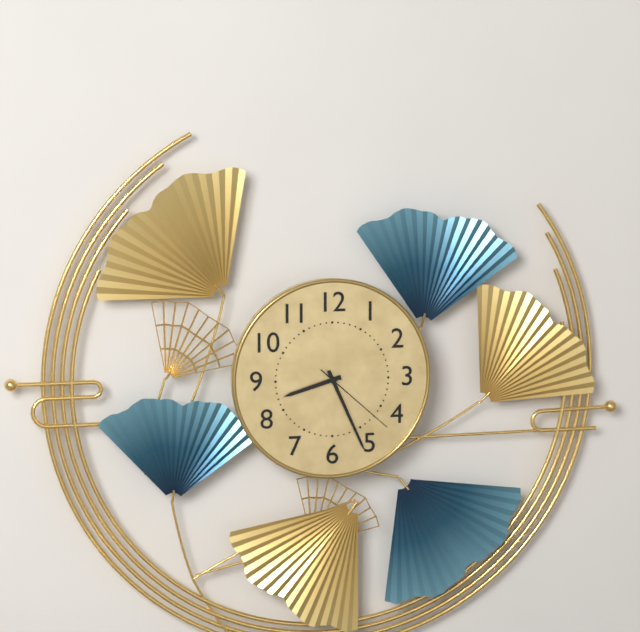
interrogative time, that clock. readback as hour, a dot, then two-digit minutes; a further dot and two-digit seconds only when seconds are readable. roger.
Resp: 8.26.22
